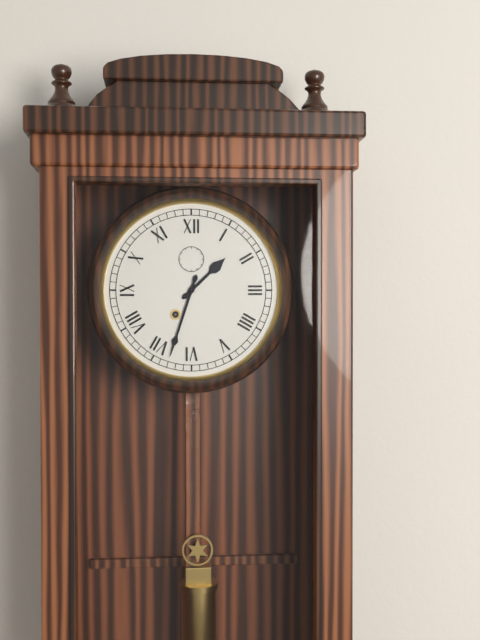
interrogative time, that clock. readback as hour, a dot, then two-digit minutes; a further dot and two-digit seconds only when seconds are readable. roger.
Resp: 1.33
